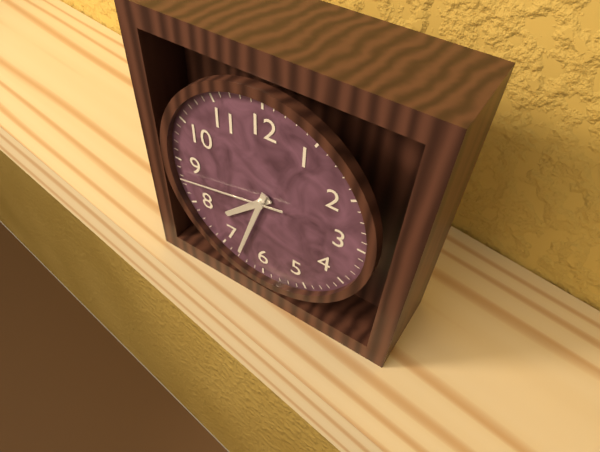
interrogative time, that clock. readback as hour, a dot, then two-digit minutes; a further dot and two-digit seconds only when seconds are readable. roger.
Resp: 7.33.43
